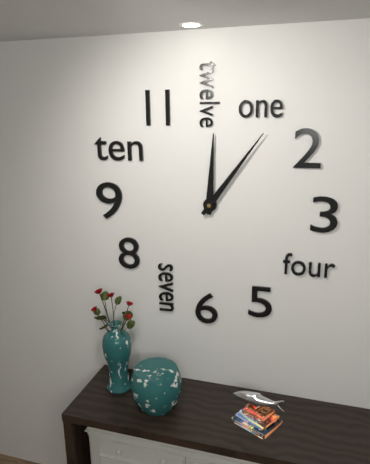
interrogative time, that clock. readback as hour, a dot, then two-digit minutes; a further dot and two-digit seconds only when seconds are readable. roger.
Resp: 12.06
